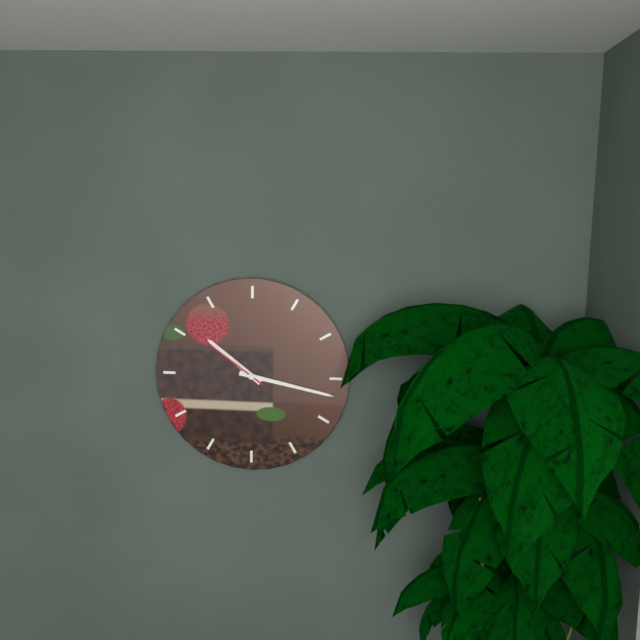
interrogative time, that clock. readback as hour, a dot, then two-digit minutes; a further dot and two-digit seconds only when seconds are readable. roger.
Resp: 10.17.51
